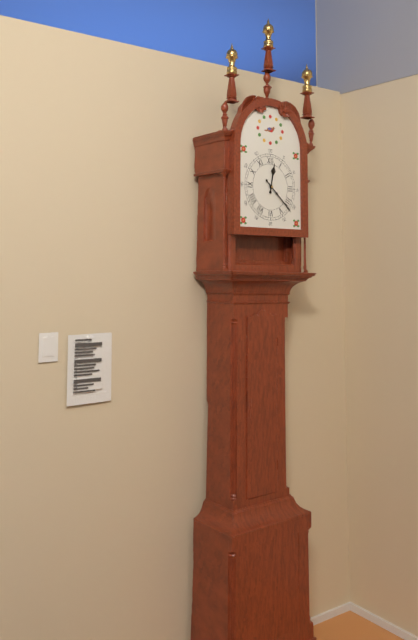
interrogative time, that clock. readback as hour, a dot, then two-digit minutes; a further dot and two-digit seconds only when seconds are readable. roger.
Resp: 12.22
